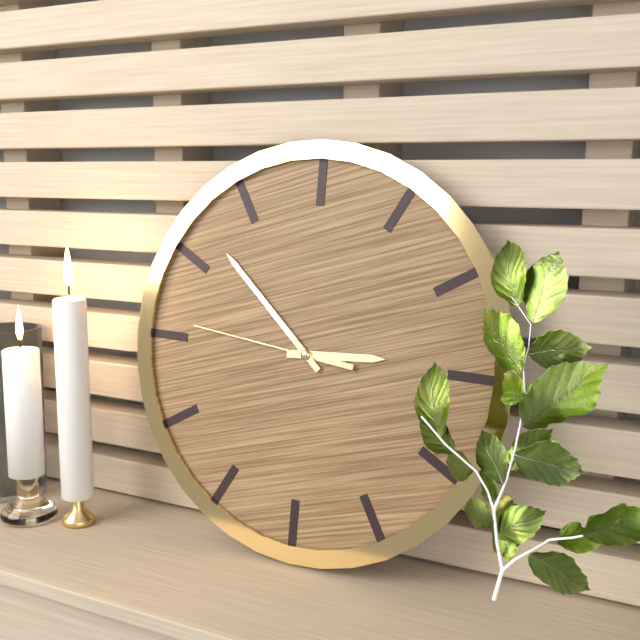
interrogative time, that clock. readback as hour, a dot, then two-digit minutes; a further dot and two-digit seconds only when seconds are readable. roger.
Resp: 2.52.46
